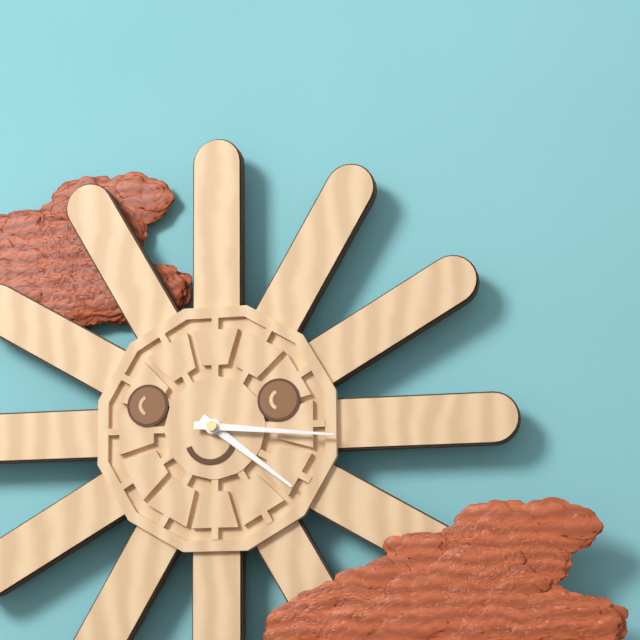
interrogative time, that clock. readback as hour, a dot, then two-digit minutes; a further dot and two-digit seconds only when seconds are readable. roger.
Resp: 4.16
